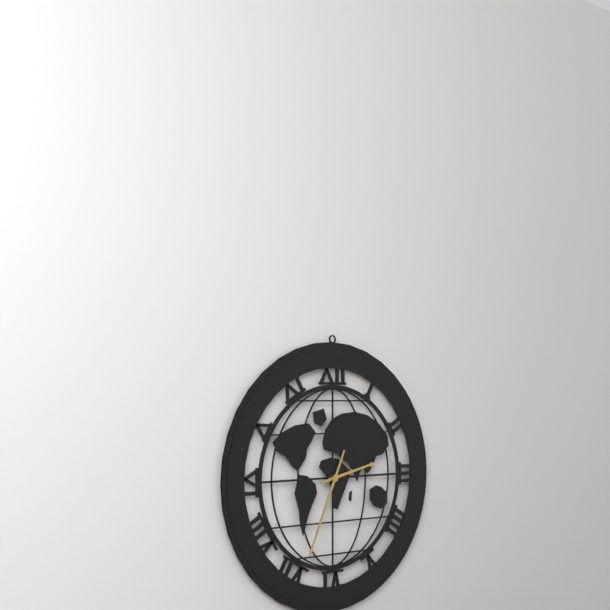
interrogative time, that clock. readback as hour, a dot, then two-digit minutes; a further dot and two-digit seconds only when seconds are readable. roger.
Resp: 2.34
